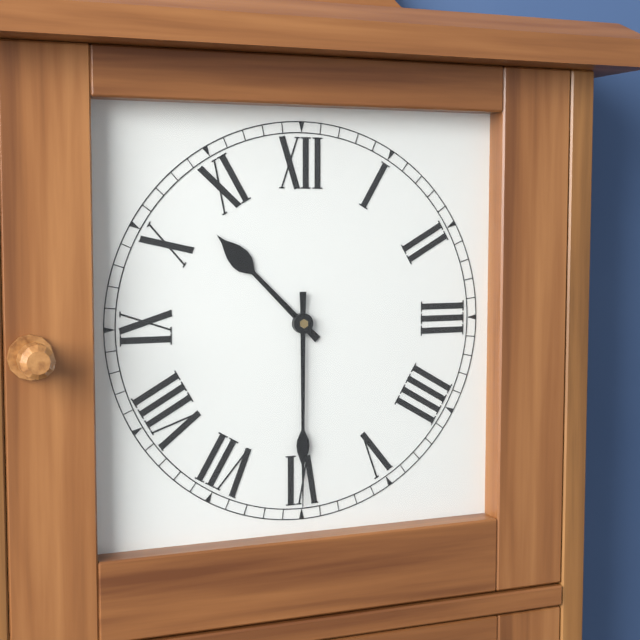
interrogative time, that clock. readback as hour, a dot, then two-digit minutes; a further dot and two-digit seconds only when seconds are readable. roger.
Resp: 10.30
